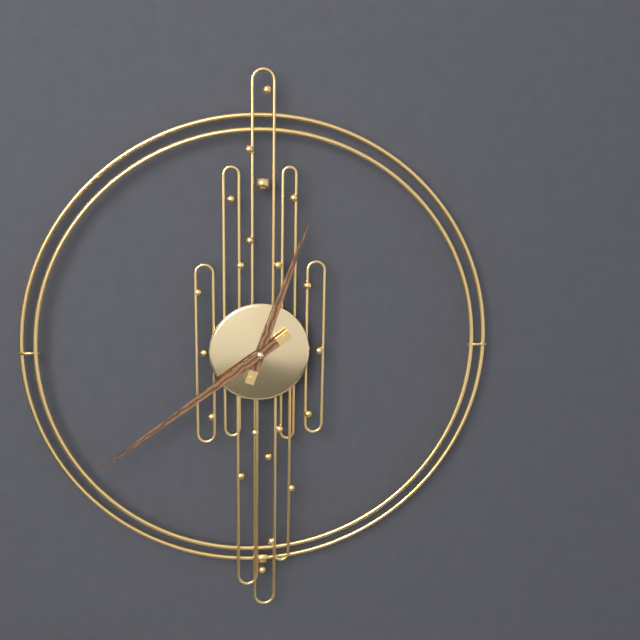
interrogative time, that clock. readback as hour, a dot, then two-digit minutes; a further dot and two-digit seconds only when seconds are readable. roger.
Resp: 12.39
